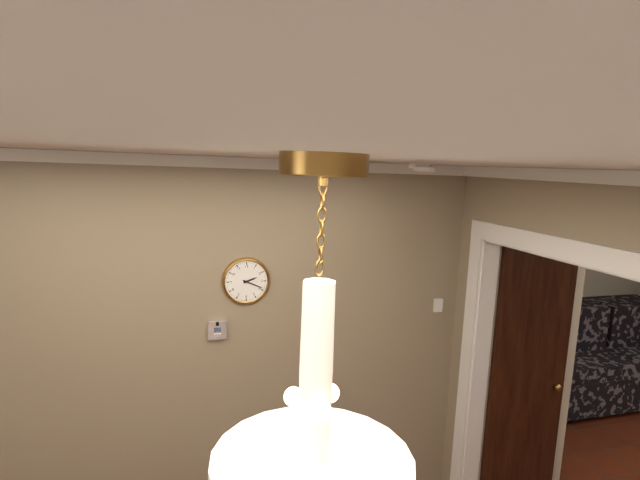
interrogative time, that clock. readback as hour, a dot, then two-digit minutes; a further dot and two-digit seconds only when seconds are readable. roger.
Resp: 2.19
